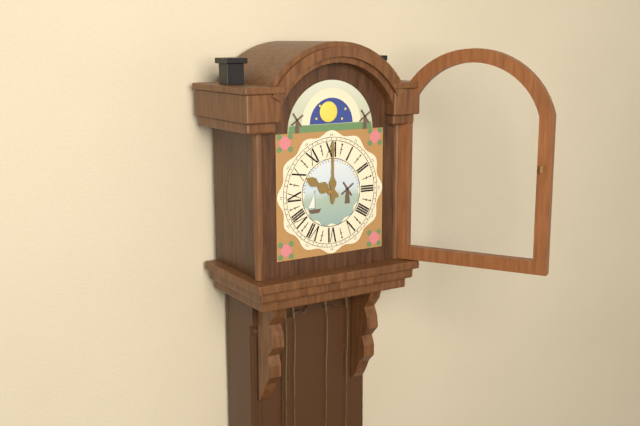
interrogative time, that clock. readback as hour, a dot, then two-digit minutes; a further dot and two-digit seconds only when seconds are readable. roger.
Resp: 10.00
